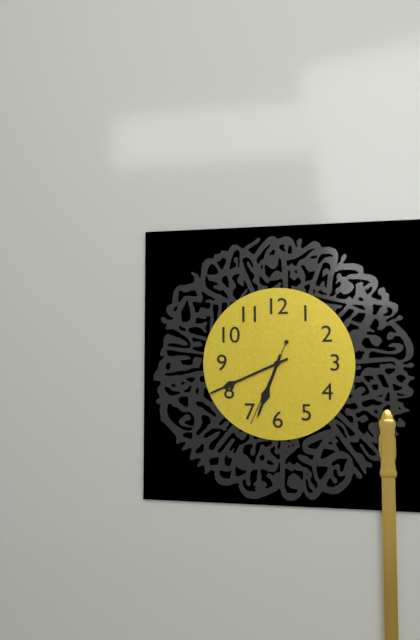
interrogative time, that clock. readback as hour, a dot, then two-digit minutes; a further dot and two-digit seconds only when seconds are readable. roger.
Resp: 6.41.34
